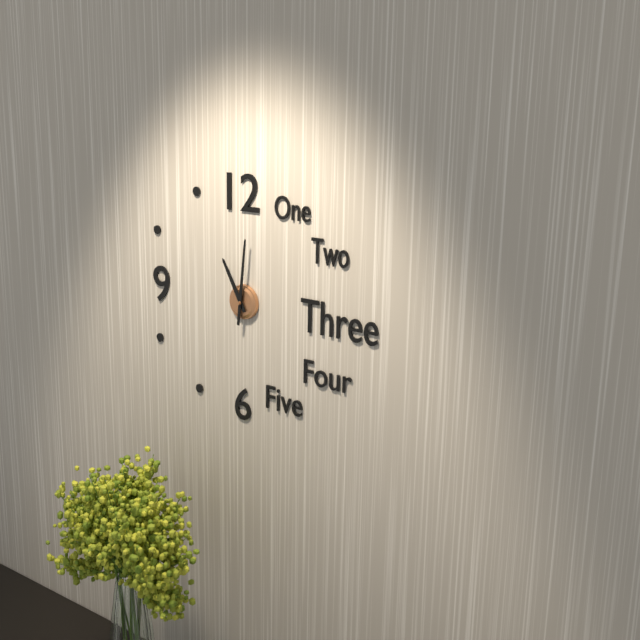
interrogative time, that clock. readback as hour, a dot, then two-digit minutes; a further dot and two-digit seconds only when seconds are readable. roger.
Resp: 11.01
